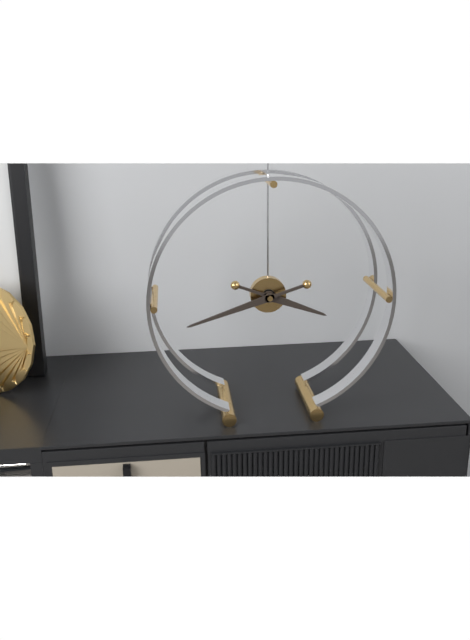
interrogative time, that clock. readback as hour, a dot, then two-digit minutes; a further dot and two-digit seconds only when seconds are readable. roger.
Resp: 3.42
